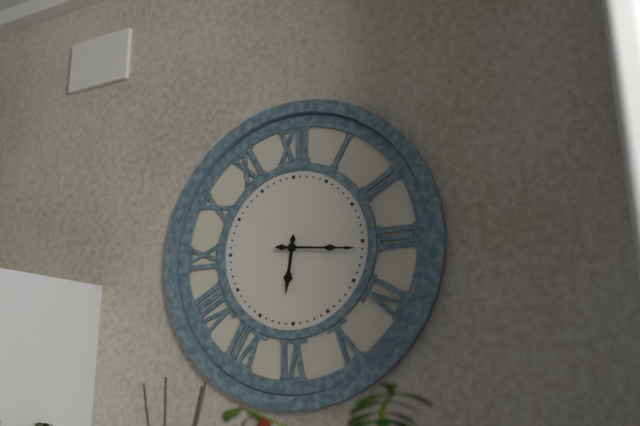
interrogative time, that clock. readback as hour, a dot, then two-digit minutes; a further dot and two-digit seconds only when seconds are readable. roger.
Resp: 6.16
